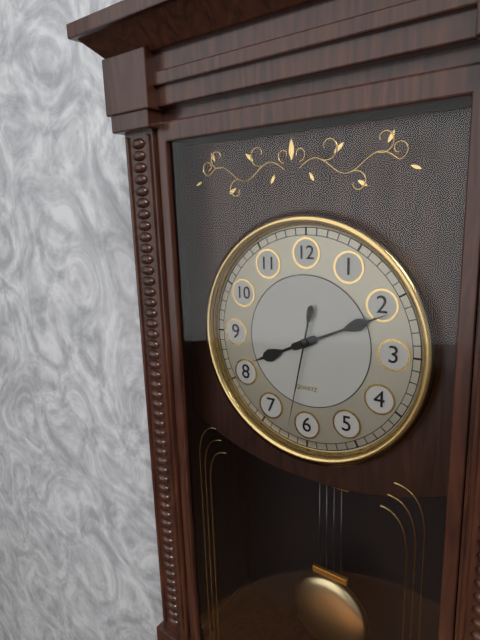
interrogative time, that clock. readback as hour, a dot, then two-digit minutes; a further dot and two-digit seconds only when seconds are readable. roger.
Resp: 8.11.32
